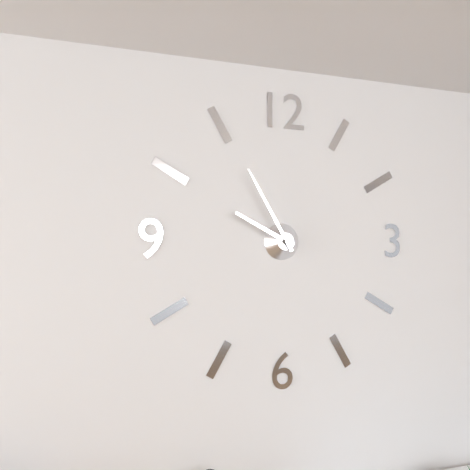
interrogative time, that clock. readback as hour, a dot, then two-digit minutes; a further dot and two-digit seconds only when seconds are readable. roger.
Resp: 9.55
